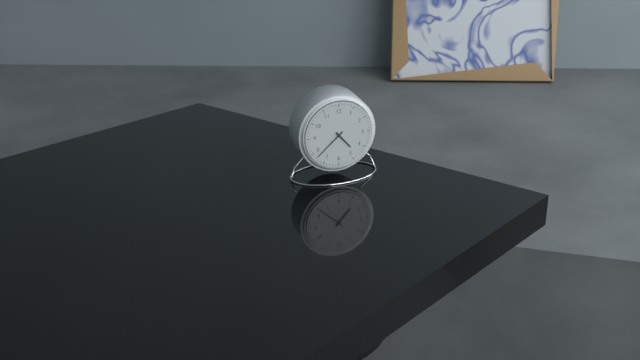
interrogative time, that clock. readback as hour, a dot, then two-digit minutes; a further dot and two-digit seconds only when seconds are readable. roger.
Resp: 4.38
